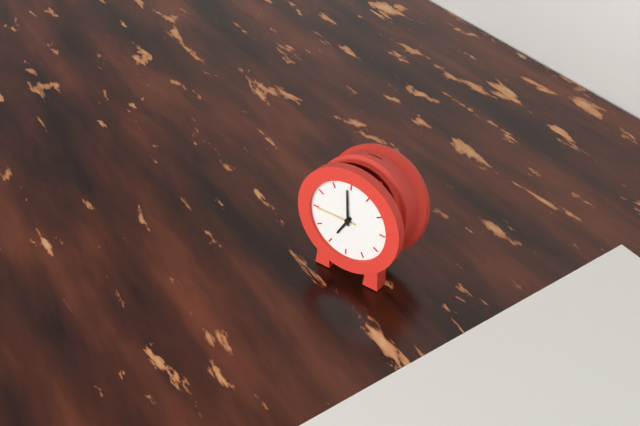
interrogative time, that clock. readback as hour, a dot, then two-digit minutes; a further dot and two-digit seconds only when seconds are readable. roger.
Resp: 6.59
